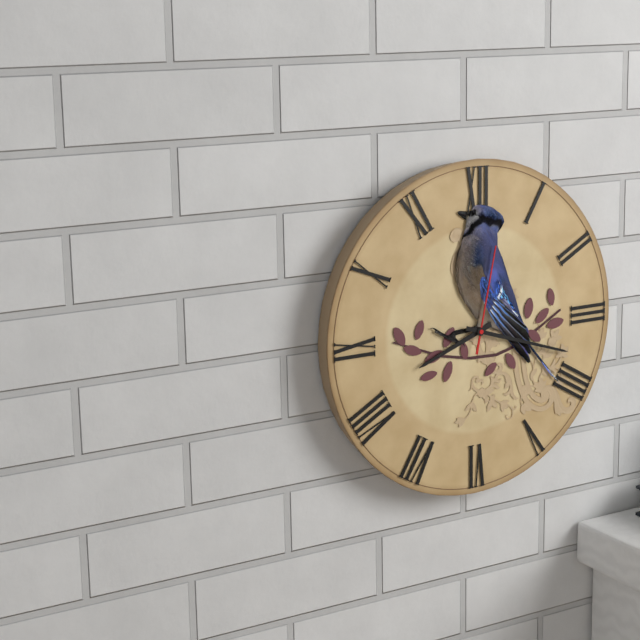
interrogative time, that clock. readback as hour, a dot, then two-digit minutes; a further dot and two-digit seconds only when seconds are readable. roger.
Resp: 8.18.02
